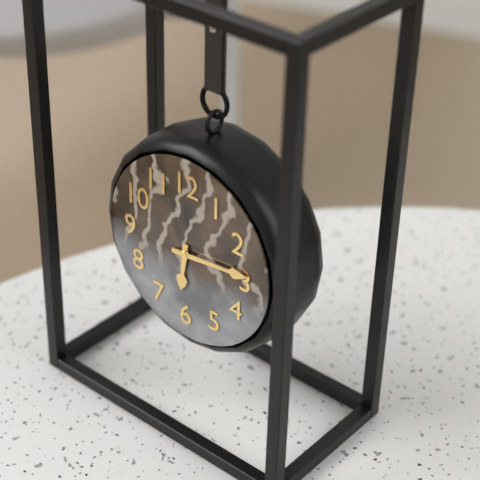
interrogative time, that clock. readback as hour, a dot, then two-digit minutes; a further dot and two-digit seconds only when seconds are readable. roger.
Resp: 6.14
